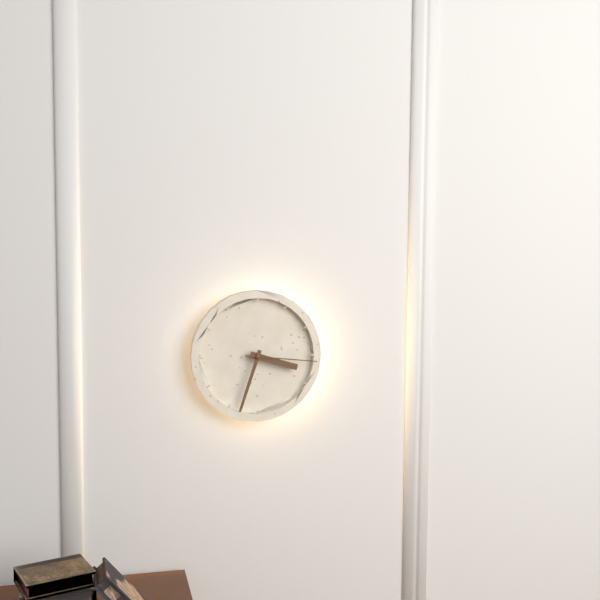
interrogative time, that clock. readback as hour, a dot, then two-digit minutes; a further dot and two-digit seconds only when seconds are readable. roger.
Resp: 3.33.16
